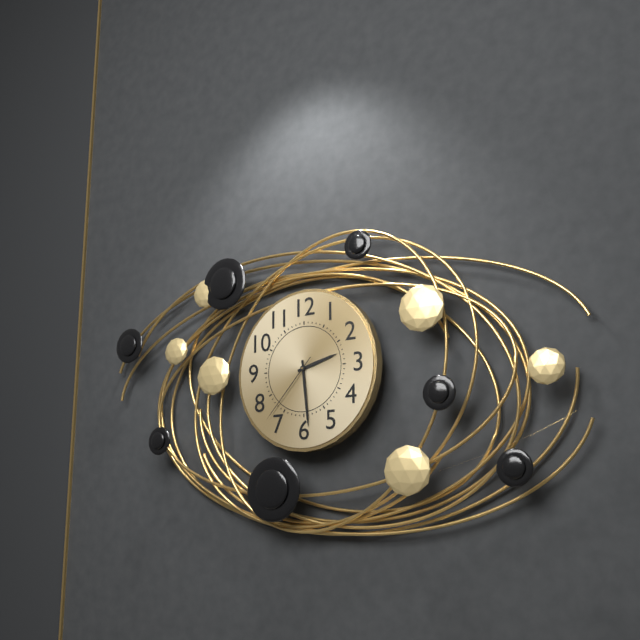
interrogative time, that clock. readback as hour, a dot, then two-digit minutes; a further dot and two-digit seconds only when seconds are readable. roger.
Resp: 2.29.37
